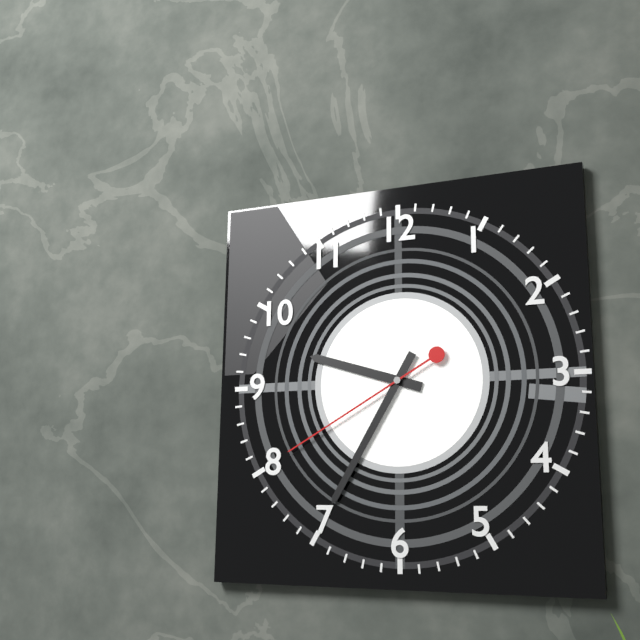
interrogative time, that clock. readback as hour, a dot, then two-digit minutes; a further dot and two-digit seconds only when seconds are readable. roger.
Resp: 9.35.40
